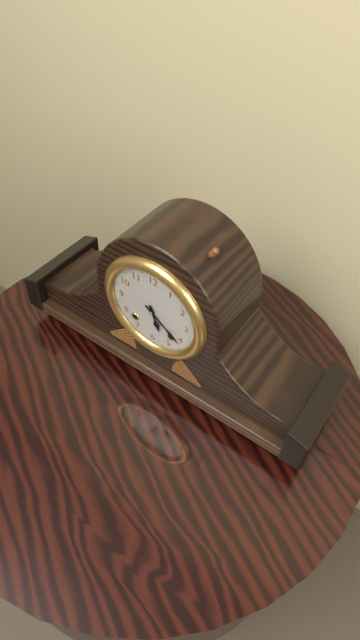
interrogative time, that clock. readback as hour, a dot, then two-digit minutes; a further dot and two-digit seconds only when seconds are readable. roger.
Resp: 5.21
